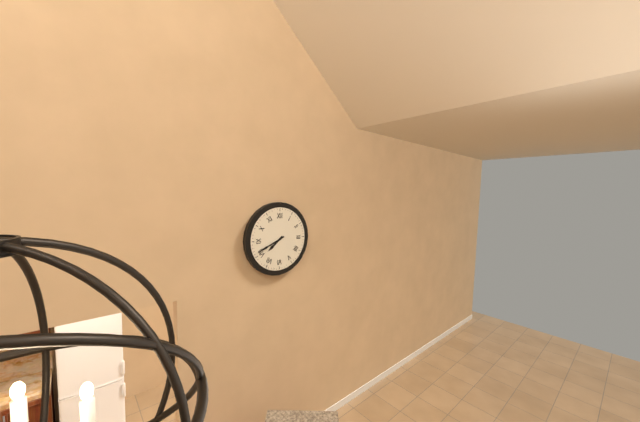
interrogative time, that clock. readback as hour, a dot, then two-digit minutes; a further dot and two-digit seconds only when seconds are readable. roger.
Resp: 7.41
